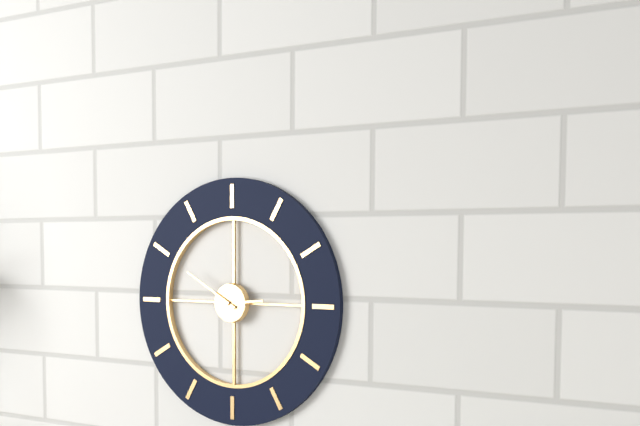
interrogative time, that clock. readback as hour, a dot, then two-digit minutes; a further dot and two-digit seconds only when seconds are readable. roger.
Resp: 2.50
